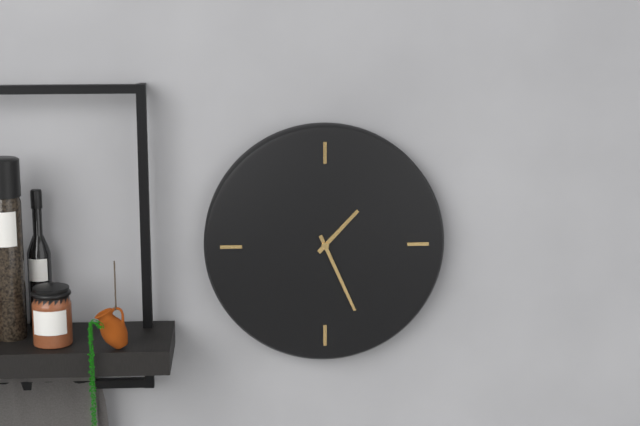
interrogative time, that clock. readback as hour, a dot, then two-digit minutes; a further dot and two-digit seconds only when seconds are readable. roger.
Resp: 1.26
